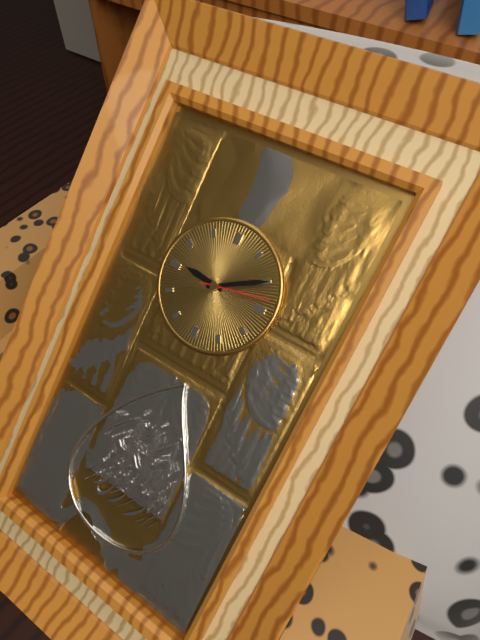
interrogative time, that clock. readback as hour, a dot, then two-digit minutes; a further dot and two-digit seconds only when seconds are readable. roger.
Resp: 9.10.13
